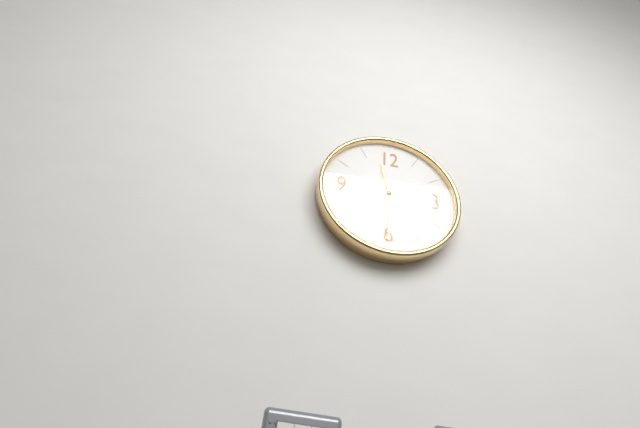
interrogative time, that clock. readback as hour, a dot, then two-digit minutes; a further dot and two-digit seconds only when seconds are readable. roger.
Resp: 11.30
